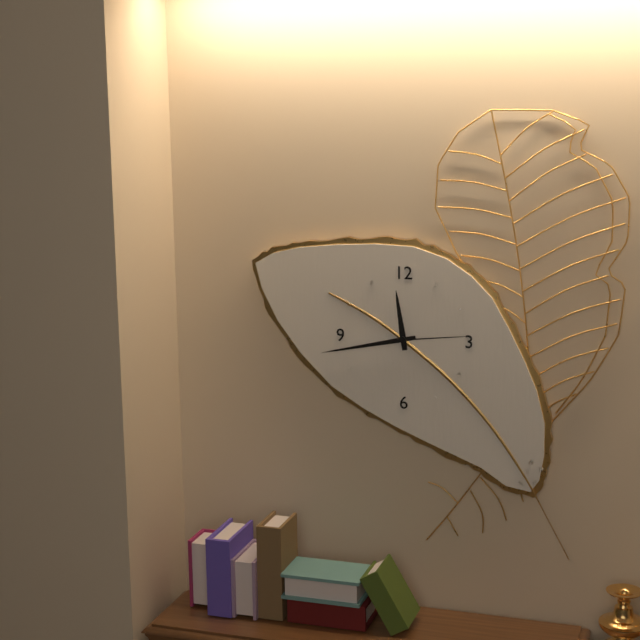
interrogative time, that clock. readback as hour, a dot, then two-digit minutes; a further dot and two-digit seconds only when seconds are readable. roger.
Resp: 11.43.14
